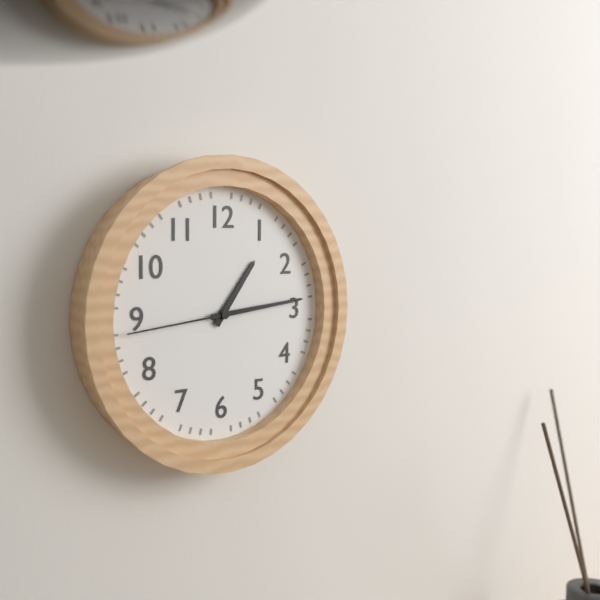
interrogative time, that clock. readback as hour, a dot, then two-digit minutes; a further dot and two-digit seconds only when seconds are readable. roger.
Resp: 1.14.44
